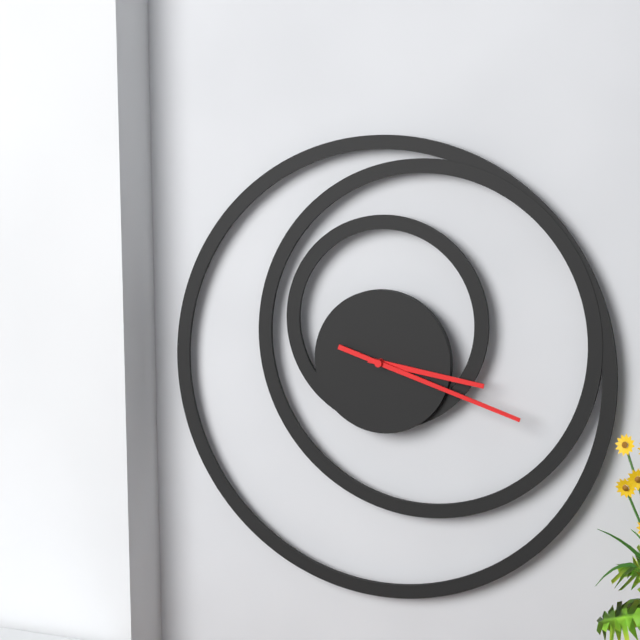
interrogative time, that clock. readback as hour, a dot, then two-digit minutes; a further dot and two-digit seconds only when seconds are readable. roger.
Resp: 3.18
